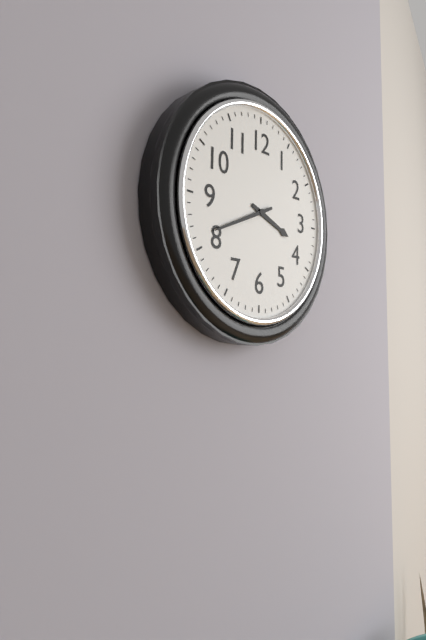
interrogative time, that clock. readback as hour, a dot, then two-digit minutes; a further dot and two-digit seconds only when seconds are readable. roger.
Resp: 3.41
